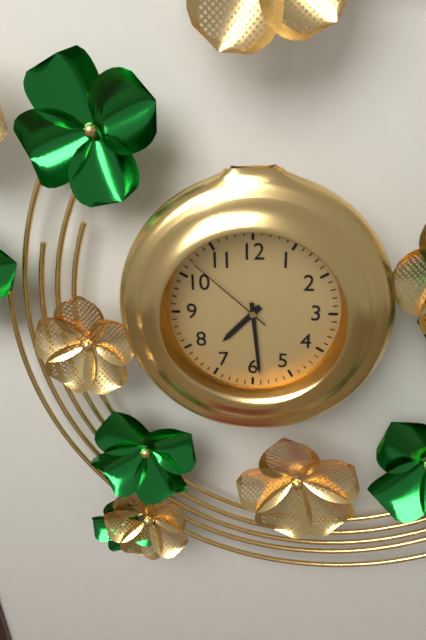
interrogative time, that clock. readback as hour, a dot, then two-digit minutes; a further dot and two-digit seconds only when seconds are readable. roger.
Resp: 7.29.52
